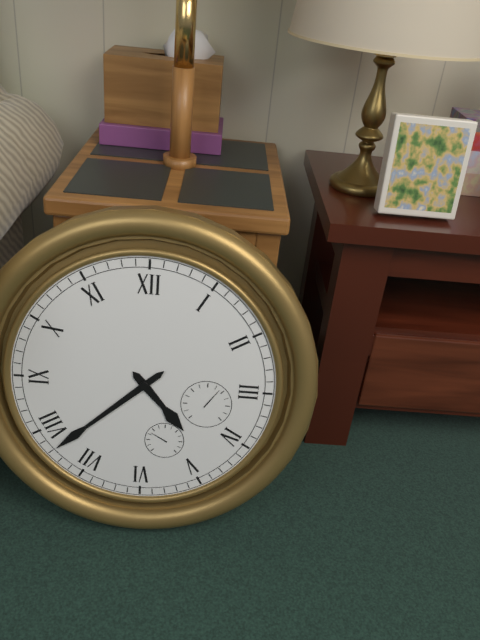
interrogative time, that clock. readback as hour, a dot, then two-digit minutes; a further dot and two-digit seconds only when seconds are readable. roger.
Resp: 4.38
